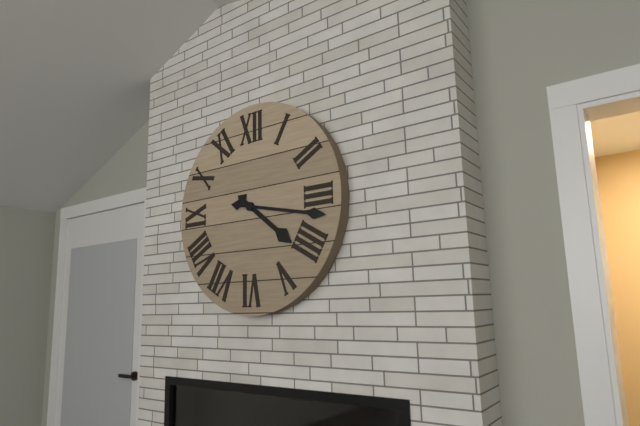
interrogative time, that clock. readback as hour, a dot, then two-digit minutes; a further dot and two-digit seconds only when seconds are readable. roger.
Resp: 4.17
